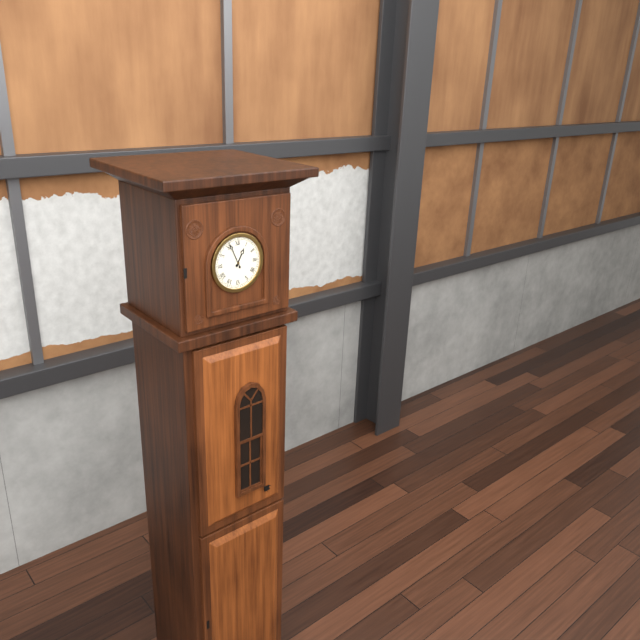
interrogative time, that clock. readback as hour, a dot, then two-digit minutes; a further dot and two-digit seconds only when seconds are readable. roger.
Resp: 12.56
